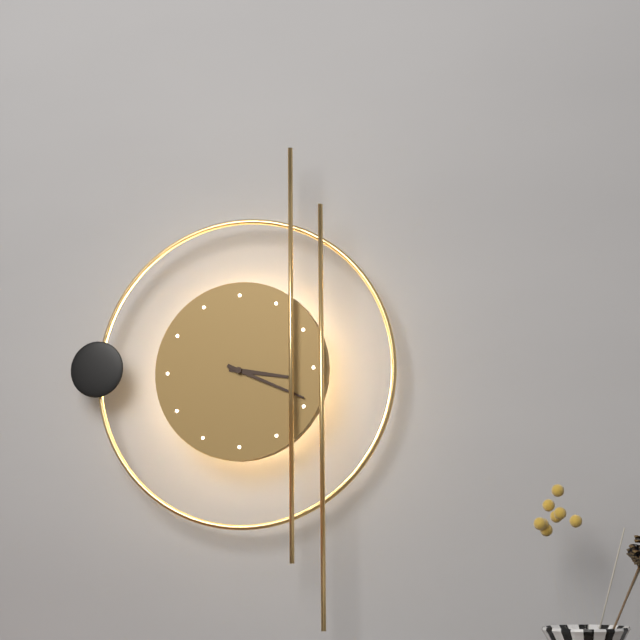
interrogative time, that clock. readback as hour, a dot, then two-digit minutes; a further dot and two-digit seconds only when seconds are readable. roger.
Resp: 3.19
